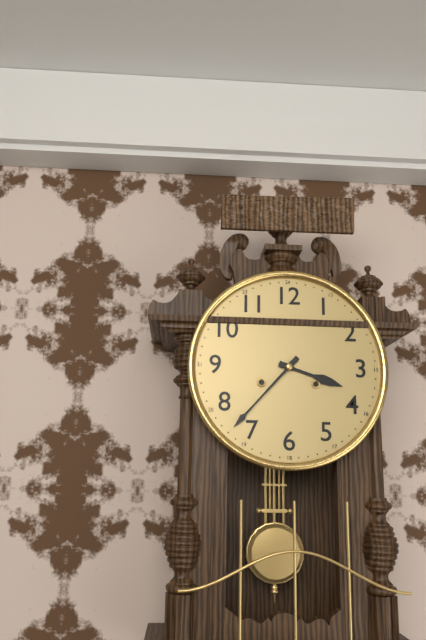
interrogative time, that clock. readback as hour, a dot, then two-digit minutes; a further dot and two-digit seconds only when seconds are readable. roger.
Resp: 3.37
